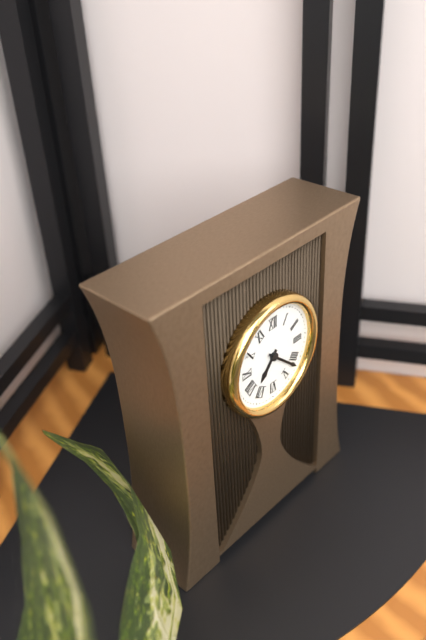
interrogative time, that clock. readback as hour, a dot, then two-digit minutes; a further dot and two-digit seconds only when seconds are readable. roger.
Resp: 7.22
